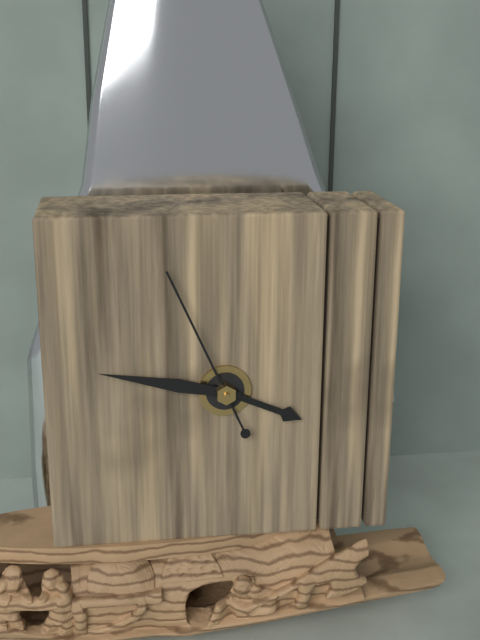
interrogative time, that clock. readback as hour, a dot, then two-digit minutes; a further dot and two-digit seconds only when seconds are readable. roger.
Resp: 3.47.56
